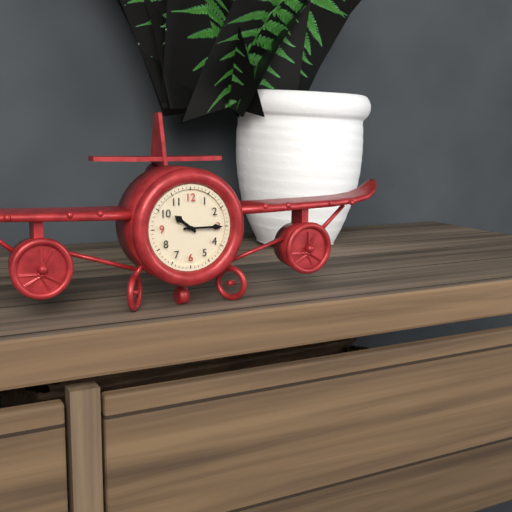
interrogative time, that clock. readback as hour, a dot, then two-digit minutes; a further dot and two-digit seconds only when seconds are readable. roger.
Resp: 10.15
